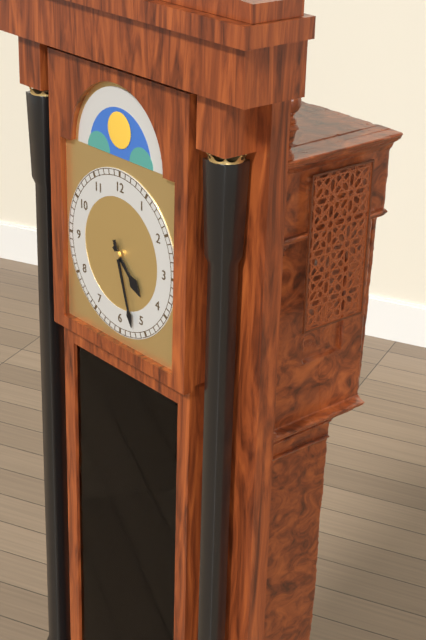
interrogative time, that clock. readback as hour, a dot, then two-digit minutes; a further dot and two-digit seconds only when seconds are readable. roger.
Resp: 4.27
